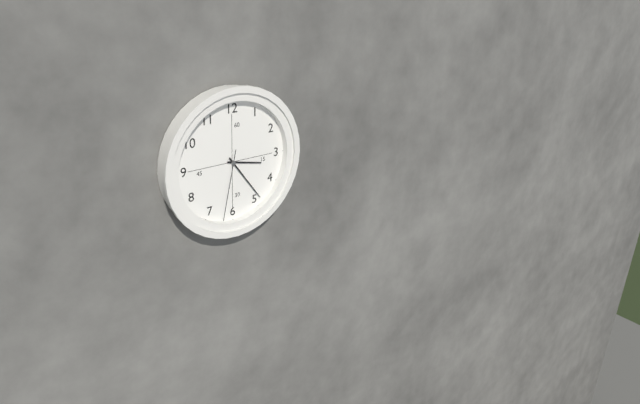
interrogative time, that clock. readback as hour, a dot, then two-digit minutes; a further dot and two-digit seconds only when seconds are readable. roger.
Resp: 3.24.32
